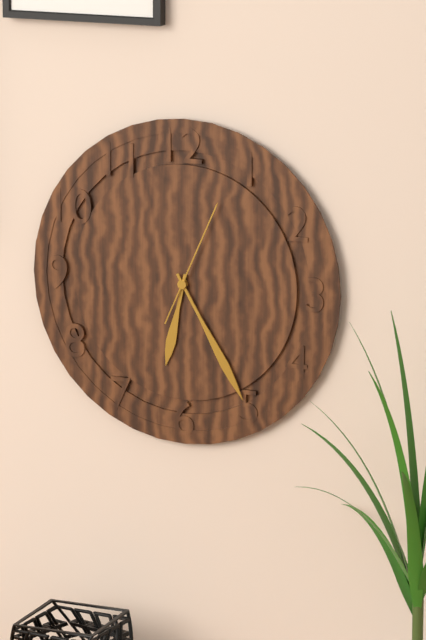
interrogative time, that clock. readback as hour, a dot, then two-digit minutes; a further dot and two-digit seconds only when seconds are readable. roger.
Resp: 6.25.04
